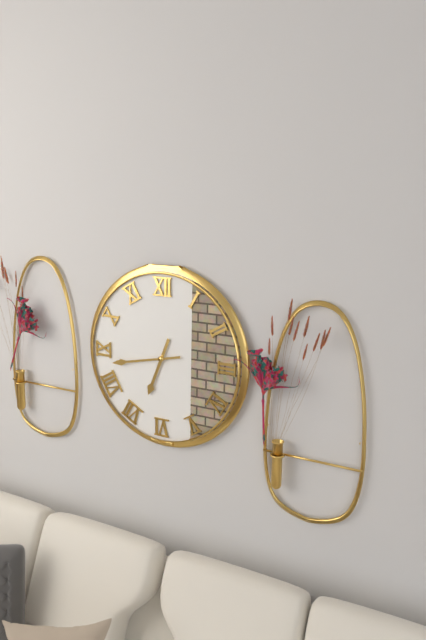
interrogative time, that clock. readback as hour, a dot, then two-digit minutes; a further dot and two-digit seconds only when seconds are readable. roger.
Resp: 6.43
